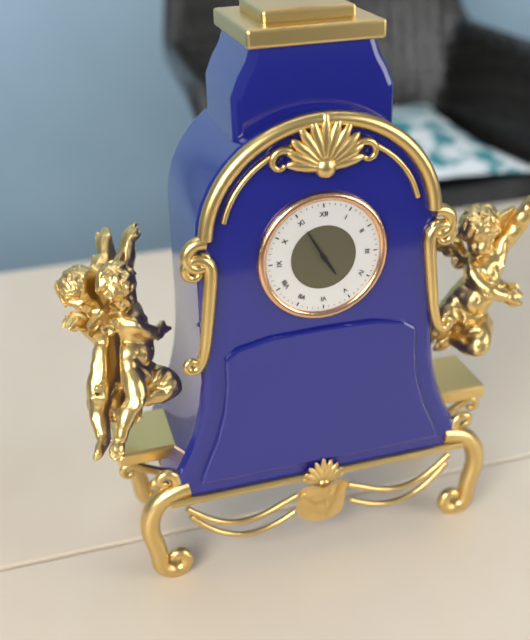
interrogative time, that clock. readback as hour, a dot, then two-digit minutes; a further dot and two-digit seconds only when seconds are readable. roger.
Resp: 4.55
